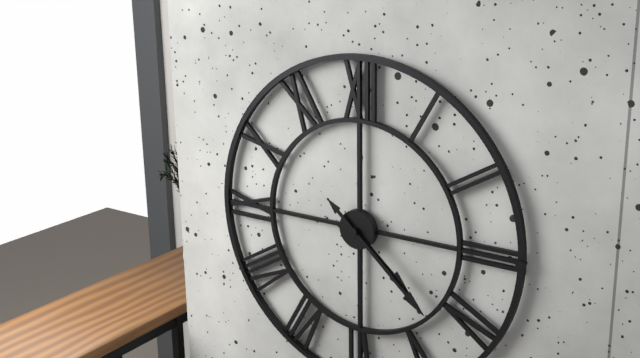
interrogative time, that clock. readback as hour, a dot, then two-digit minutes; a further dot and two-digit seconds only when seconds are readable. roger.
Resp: 4.22
